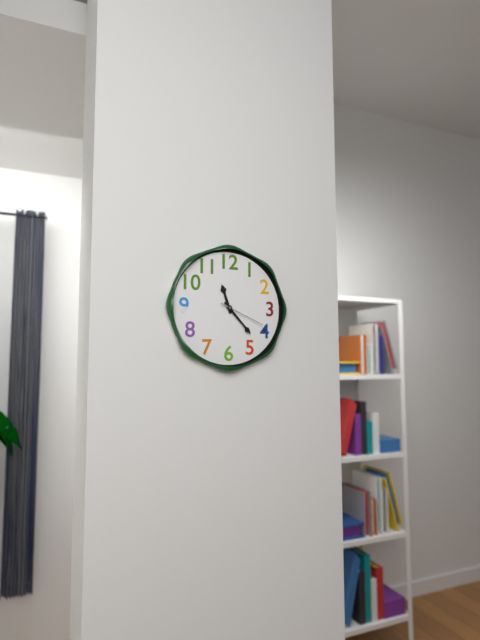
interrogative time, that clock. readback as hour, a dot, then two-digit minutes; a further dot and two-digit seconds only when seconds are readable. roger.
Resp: 11.23
